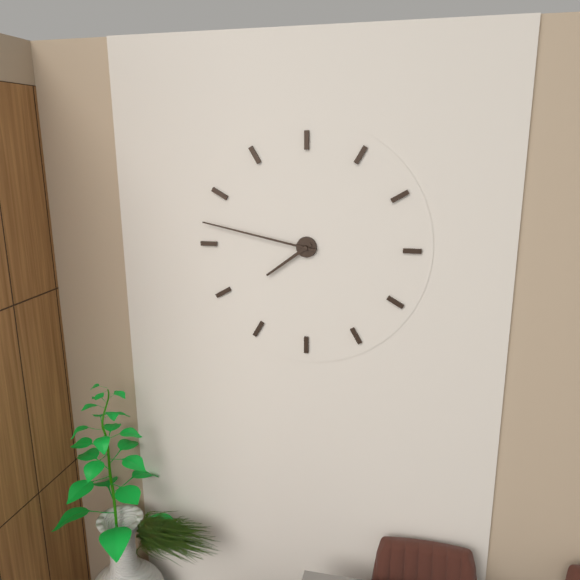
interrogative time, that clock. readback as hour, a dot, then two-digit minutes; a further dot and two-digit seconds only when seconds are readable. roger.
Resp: 7.47
